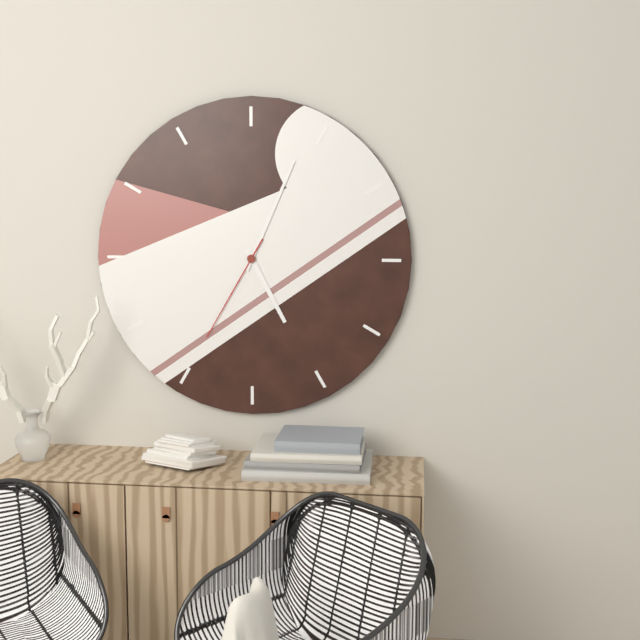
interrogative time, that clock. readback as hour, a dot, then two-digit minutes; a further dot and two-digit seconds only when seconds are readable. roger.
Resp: 5.04.35
